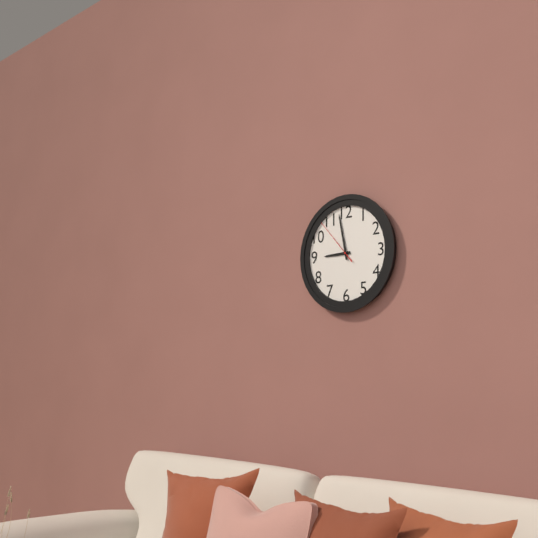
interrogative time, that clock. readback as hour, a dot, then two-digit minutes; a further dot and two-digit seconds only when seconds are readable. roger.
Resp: 8.58
